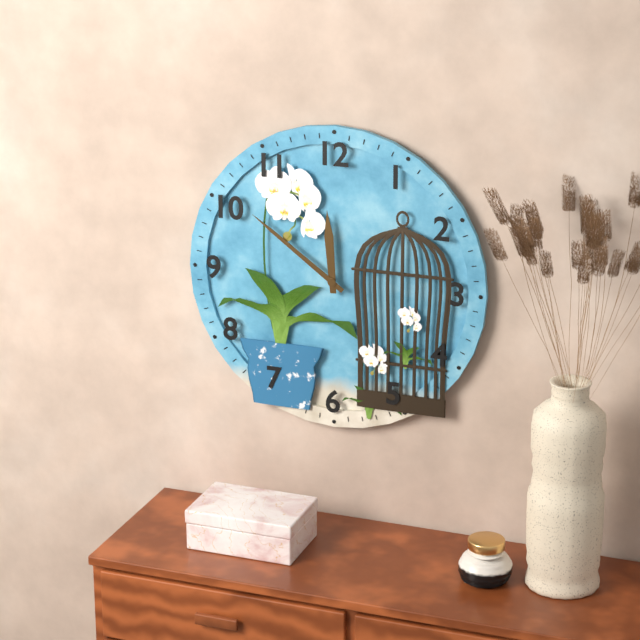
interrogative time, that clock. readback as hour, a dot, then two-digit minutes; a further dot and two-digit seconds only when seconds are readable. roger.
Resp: 11.51
